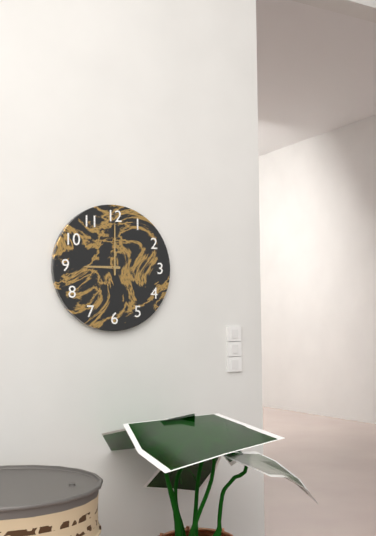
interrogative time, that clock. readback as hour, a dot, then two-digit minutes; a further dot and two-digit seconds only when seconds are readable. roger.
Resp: 9.00
